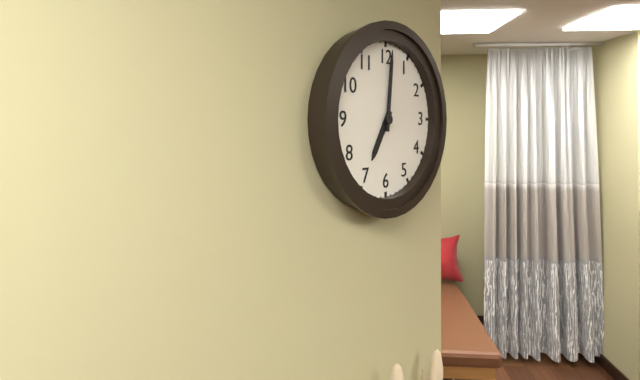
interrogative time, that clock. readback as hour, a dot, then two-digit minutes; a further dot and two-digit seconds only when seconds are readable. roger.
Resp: 7.01
